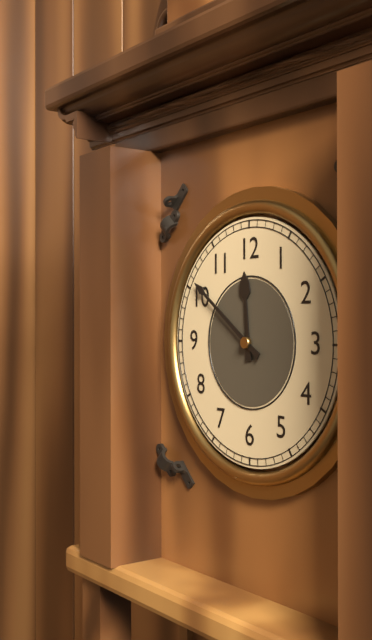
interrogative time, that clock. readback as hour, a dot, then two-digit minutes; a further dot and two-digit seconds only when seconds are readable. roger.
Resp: 11.51
